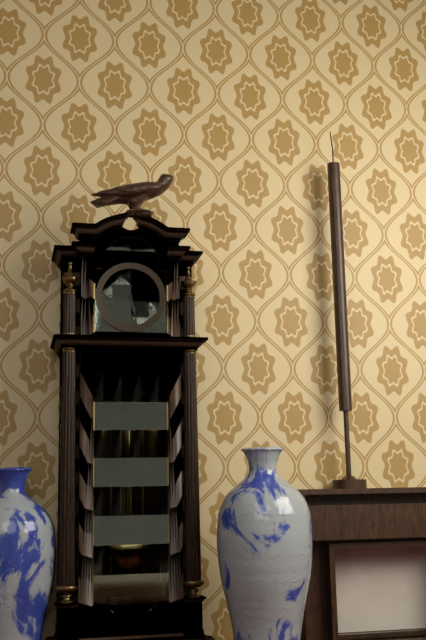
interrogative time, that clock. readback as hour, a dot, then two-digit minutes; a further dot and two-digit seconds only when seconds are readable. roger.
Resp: 5.28
